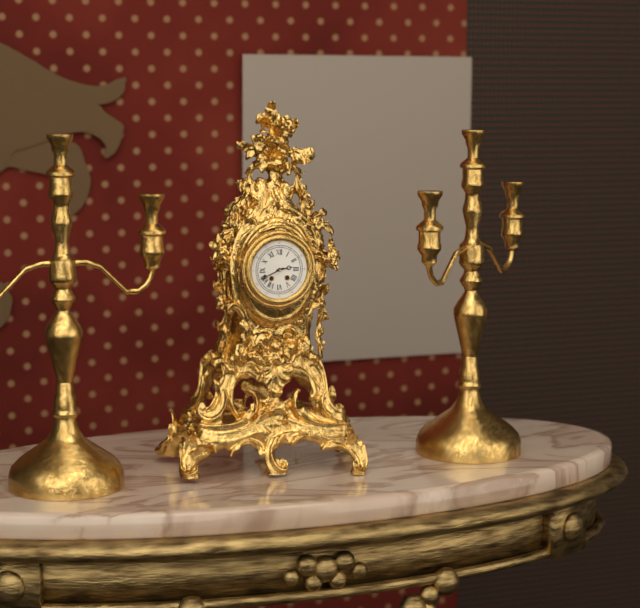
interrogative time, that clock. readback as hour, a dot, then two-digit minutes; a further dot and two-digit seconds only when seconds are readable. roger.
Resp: 2.41
